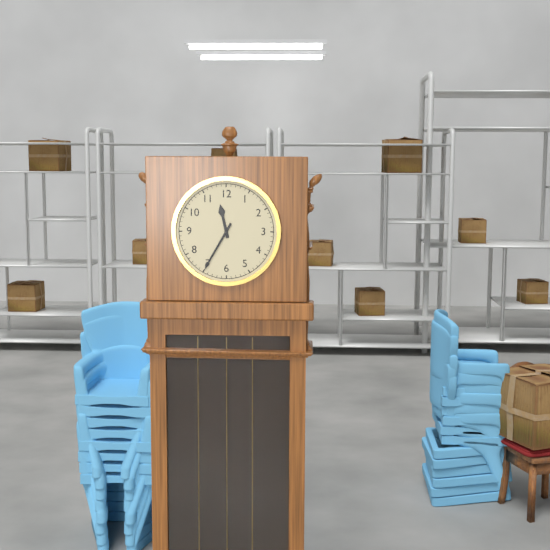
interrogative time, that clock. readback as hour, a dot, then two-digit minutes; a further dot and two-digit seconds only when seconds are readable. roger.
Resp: 11.35
